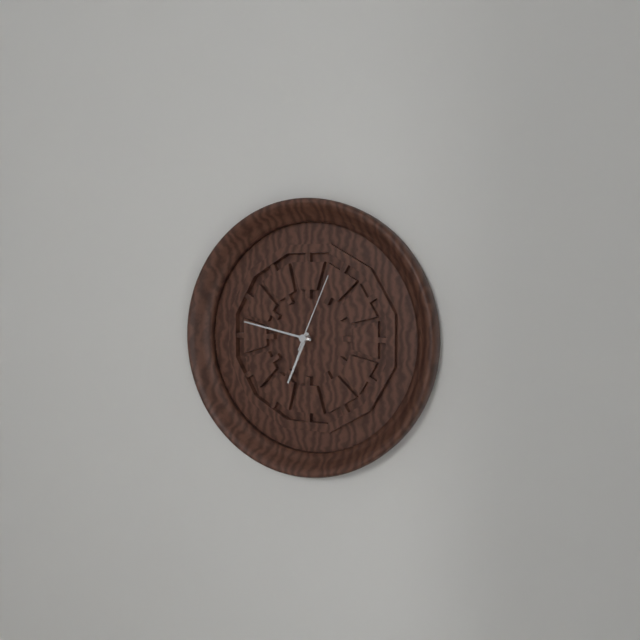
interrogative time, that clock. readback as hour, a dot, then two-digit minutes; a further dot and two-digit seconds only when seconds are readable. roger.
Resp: 6.47.04
